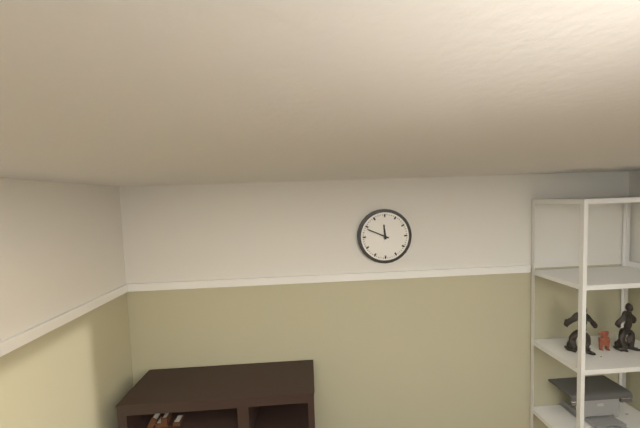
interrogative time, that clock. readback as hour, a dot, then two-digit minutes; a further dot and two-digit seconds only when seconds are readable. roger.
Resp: 11.49
